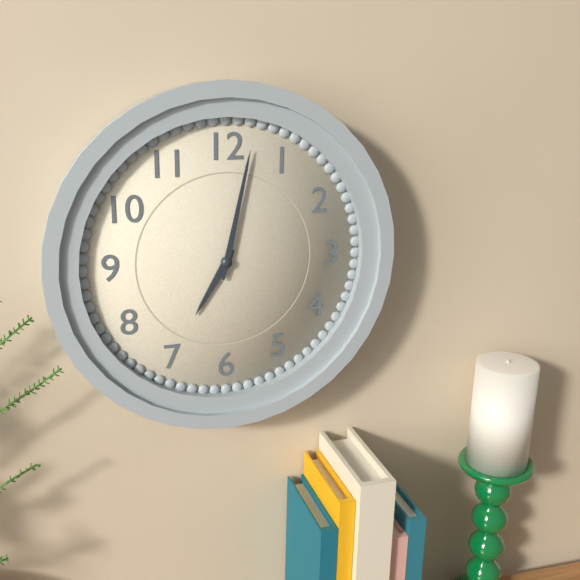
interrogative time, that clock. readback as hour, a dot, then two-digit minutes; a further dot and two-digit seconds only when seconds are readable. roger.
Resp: 7.02
